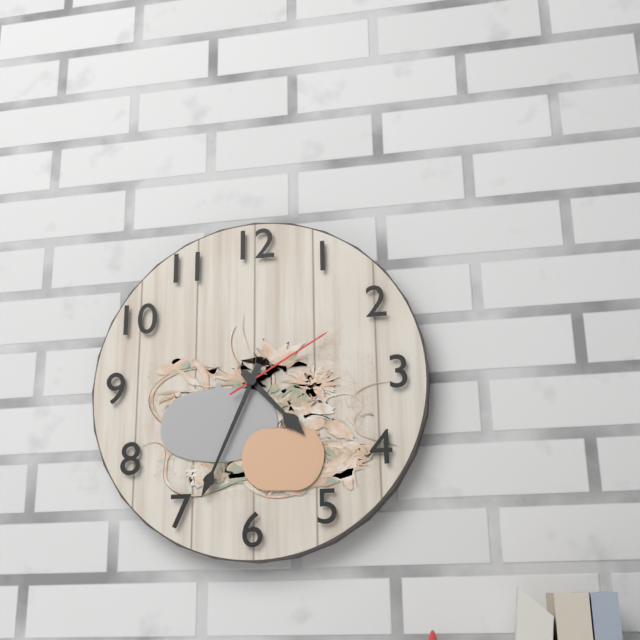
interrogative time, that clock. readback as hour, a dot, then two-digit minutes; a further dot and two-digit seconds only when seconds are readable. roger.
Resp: 4.34.10
